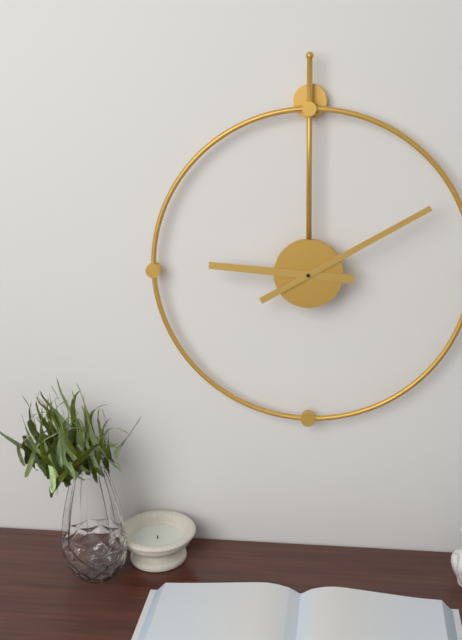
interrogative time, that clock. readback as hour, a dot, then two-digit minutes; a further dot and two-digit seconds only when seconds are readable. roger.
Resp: 9.10
